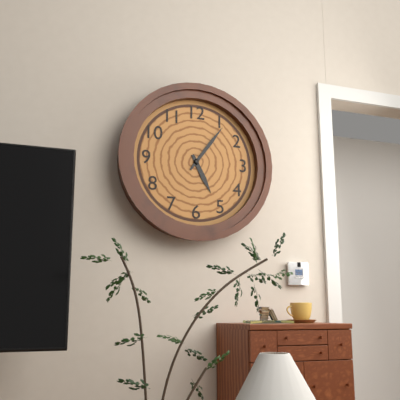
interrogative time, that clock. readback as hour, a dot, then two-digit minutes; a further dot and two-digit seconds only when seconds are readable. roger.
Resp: 5.06
